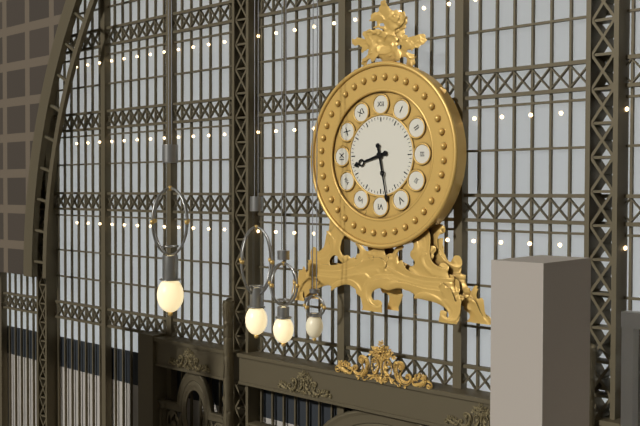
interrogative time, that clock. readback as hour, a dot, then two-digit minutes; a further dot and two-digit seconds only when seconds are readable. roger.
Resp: 8.28
